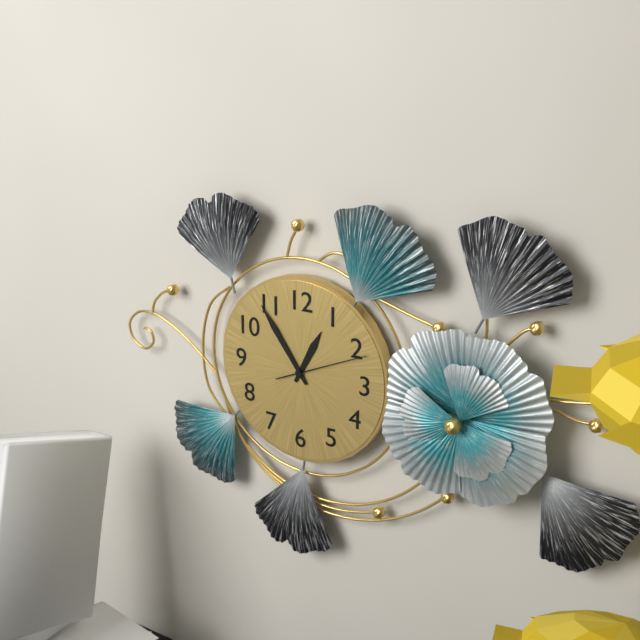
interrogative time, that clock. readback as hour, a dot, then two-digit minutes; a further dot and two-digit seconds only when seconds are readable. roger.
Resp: 12.54.11
